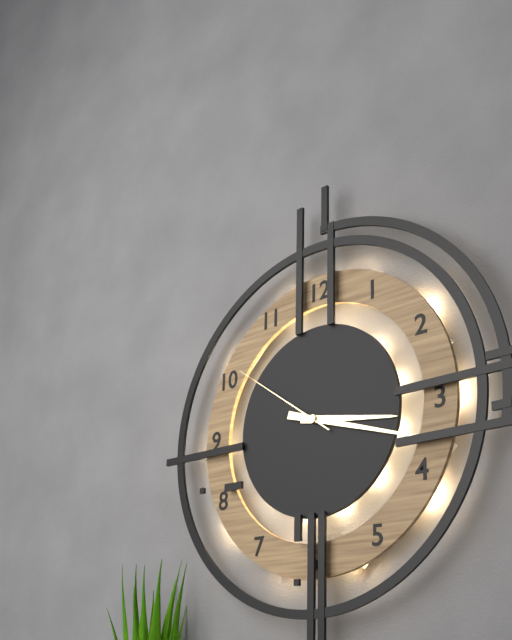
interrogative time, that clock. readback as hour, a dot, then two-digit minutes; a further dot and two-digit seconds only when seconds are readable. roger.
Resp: 3.18.51
